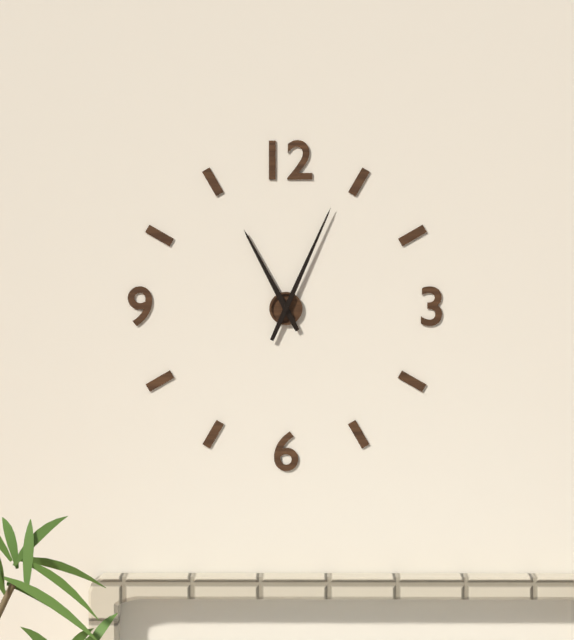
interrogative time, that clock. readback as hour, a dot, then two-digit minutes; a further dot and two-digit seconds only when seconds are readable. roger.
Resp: 11.04
